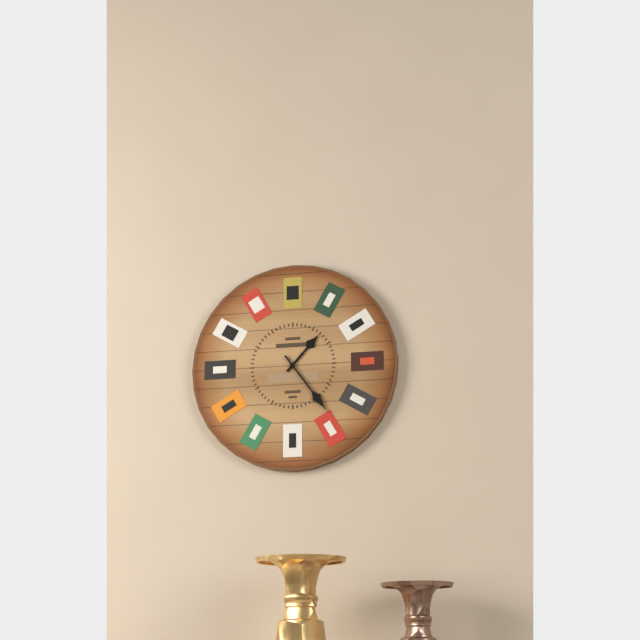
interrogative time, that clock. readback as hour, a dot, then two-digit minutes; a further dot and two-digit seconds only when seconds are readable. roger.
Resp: 1.24
